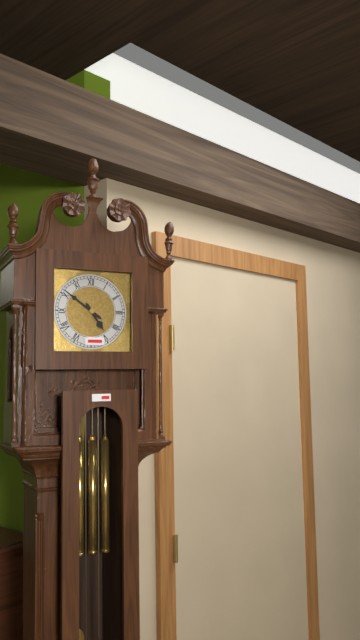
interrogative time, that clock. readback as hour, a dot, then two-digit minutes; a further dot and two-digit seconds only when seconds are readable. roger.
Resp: 4.51
